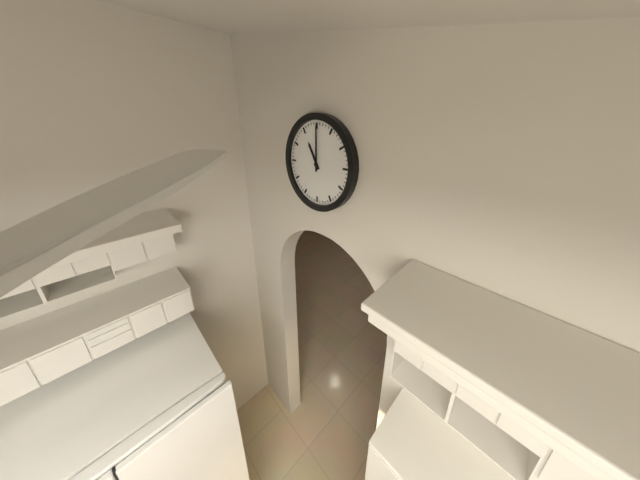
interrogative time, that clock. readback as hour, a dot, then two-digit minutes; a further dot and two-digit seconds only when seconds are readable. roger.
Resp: 11.00
